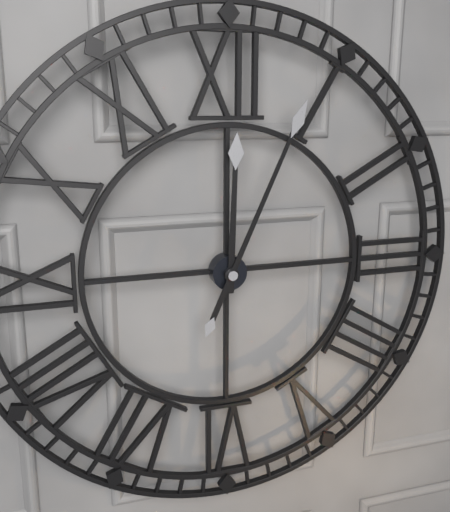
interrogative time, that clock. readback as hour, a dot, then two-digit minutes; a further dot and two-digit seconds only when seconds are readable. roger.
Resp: 12.04
